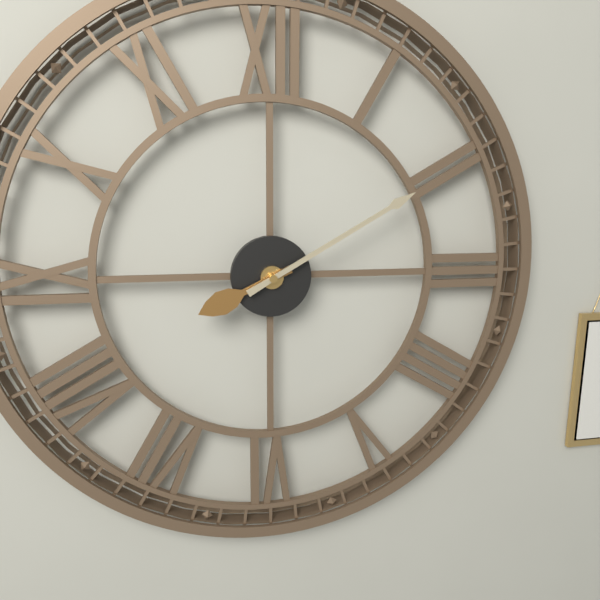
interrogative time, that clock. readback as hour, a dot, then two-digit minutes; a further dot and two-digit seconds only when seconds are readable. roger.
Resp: 8.10
